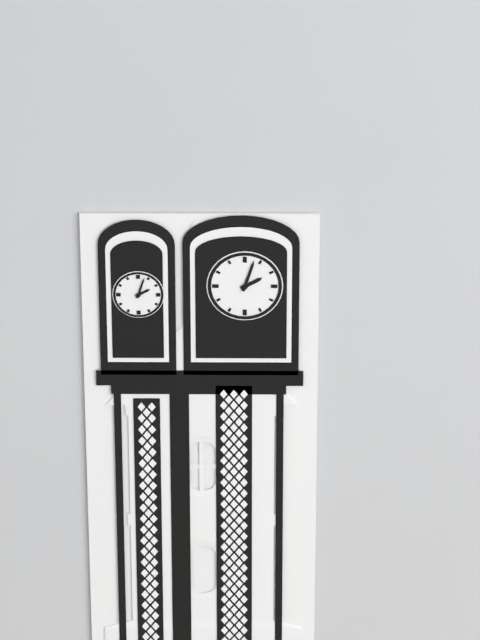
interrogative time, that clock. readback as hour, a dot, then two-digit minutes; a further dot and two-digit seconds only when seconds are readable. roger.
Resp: 2.03
